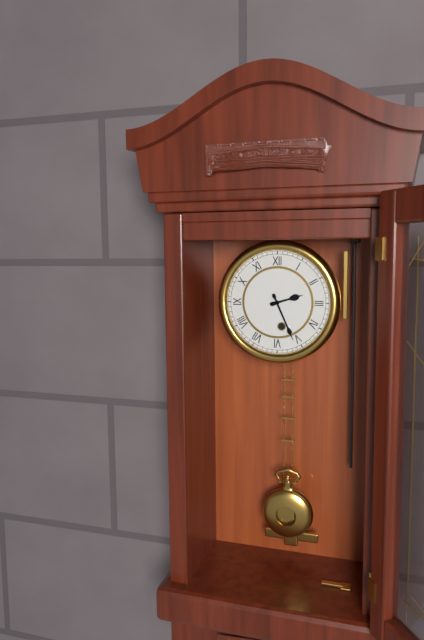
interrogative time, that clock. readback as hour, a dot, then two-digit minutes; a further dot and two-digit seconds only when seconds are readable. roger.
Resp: 2.26
